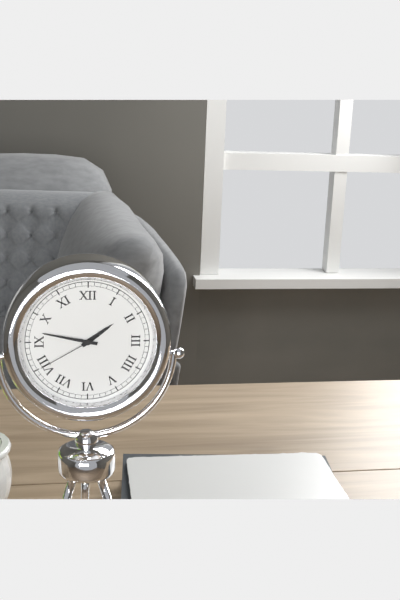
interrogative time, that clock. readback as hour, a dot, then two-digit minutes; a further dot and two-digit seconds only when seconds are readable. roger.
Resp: 1.47.40
